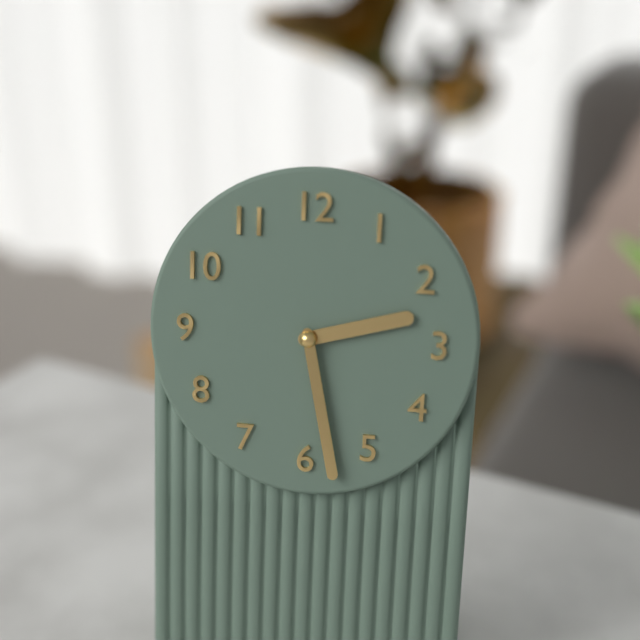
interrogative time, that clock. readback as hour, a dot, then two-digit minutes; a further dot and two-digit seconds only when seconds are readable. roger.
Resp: 2.28
